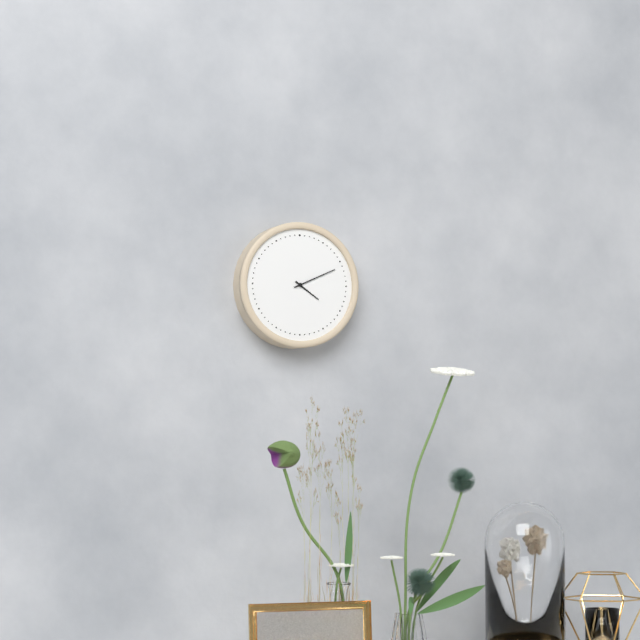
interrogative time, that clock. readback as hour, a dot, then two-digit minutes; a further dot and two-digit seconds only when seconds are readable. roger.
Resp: 4.11
